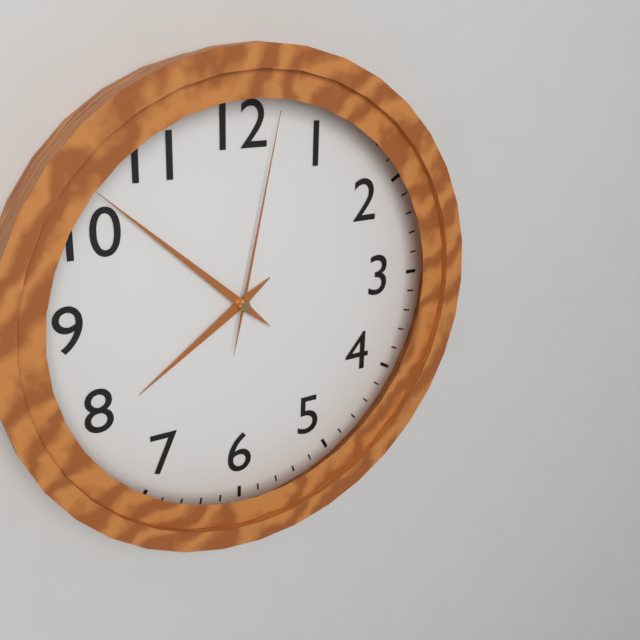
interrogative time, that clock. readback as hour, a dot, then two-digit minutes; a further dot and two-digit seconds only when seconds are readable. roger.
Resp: 7.52.02
